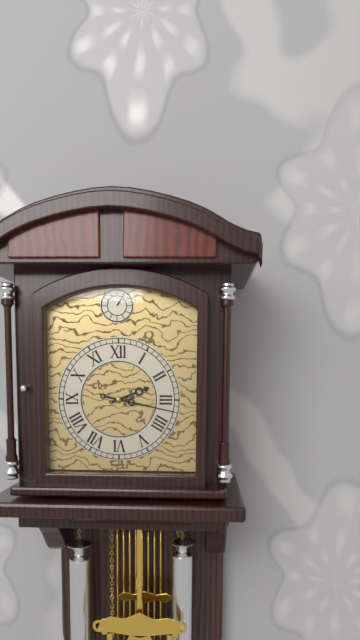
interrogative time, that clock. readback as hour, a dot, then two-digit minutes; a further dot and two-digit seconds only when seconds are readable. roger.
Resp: 2.17
